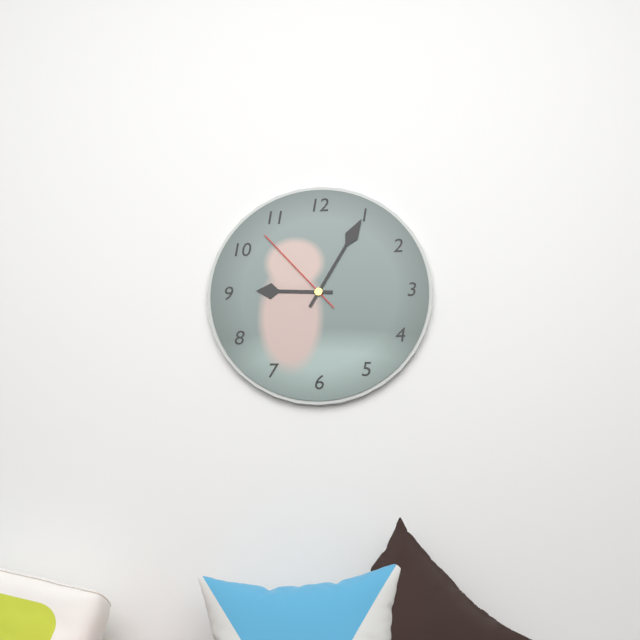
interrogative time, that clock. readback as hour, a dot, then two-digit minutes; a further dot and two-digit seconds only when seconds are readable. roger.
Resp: 9.05.53
